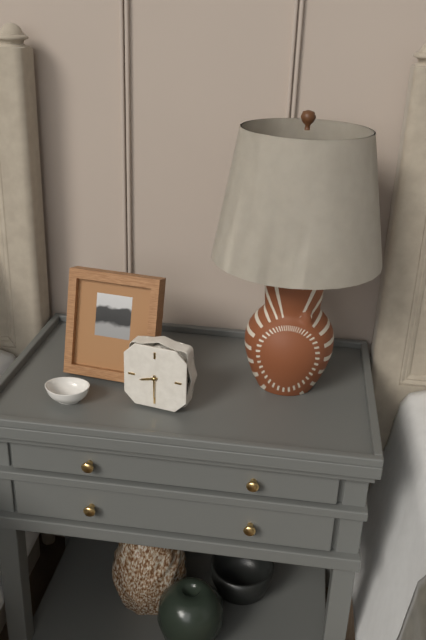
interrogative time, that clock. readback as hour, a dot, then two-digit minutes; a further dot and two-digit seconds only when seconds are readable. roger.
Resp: 8.30
